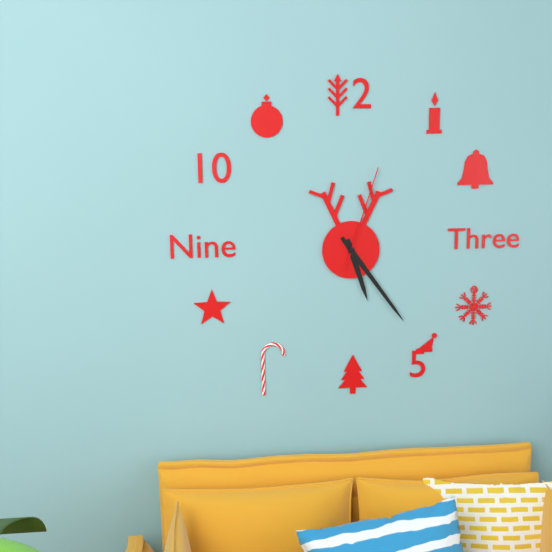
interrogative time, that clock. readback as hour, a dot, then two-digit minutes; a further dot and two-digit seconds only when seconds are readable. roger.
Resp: 5.24.03
